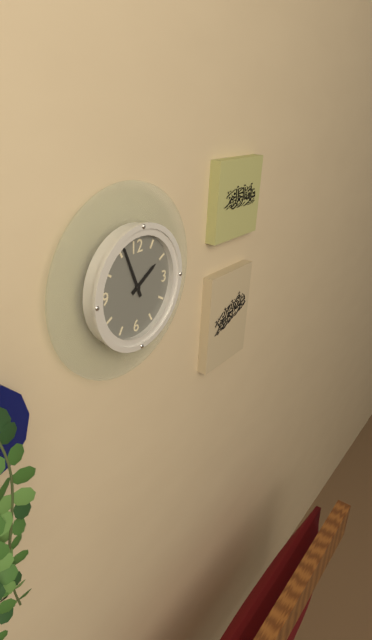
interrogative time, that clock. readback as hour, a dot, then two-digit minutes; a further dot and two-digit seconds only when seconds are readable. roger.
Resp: 1.56
